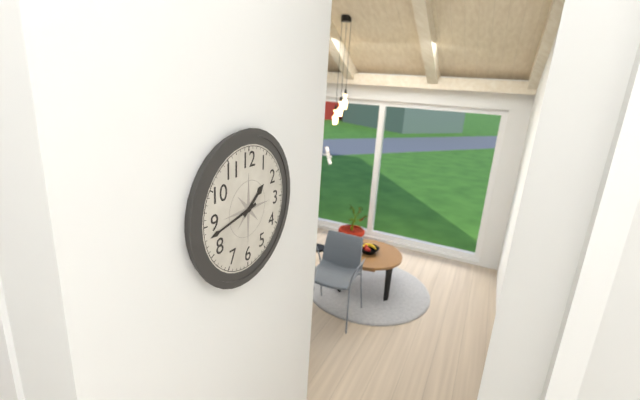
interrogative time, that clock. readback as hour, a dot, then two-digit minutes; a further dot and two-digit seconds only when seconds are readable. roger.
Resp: 1.43
